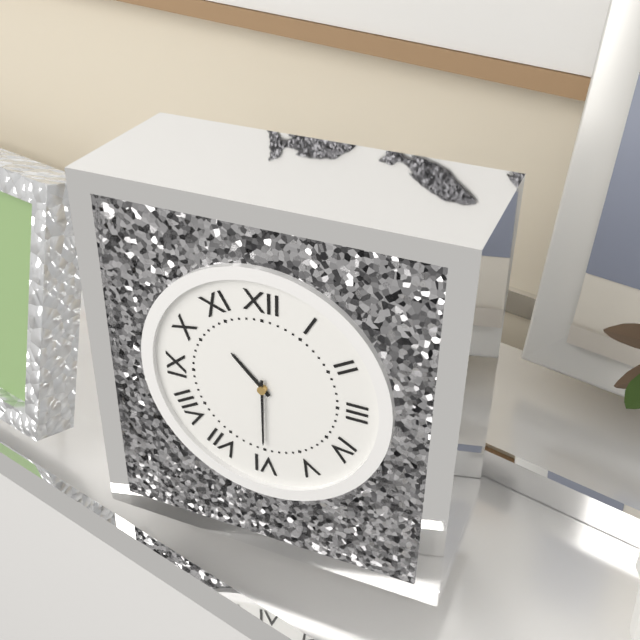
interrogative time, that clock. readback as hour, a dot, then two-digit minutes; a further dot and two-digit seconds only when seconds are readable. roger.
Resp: 10.30
